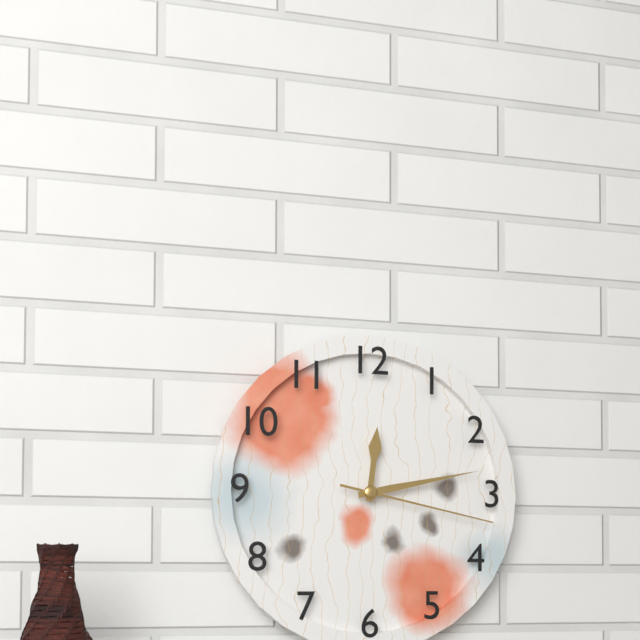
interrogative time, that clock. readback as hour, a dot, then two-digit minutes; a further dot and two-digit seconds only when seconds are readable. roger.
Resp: 12.13.17
